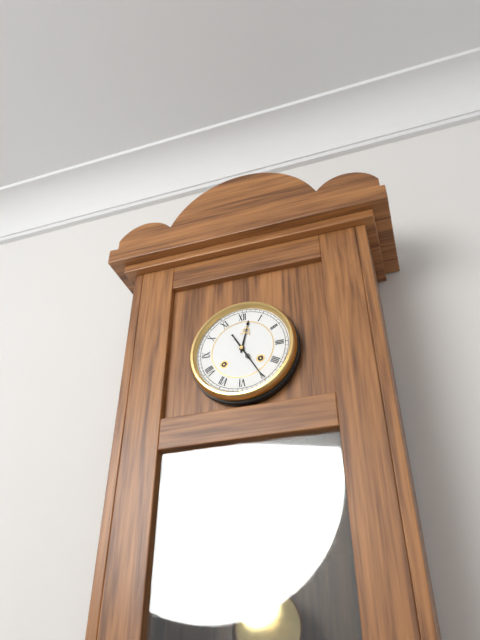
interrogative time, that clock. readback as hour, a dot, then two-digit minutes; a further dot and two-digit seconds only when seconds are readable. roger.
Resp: 12.25
